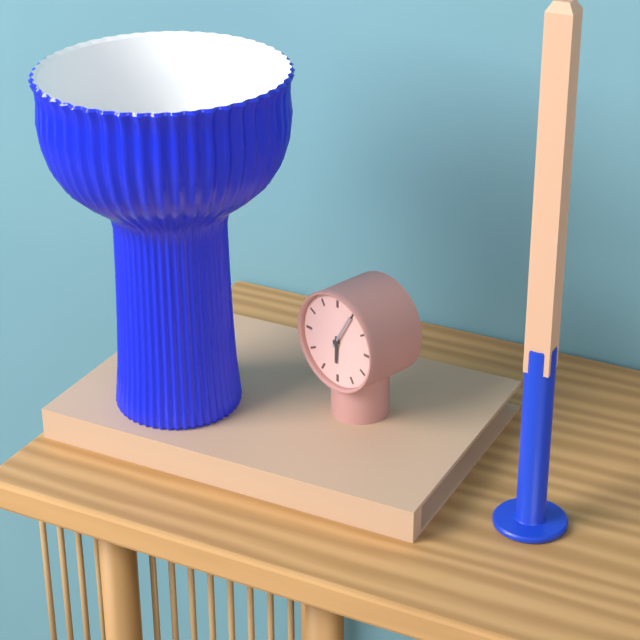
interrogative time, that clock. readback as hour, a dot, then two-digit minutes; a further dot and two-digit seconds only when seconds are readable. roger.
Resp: 6.05
